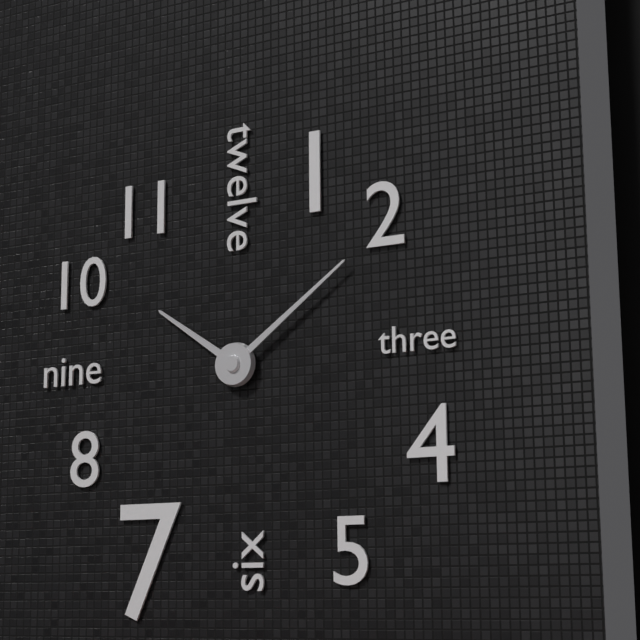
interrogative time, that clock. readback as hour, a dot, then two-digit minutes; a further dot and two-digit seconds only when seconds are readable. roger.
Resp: 10.09
